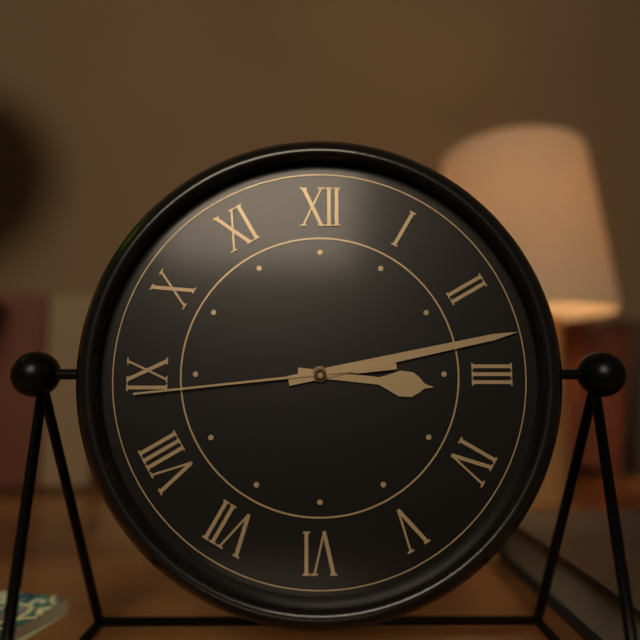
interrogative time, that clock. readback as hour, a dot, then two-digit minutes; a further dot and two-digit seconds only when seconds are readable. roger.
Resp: 3.13.44
